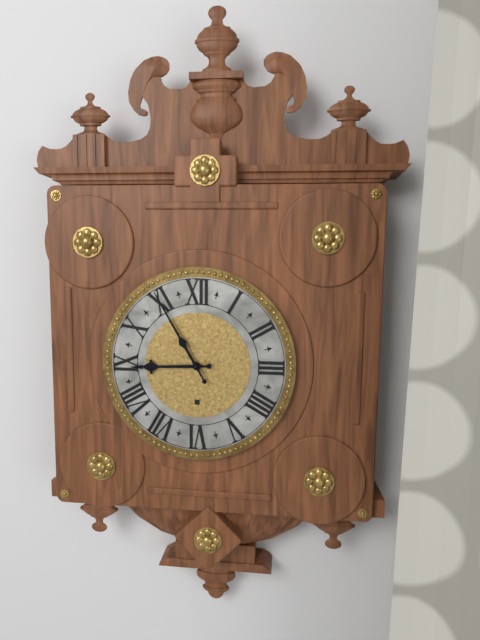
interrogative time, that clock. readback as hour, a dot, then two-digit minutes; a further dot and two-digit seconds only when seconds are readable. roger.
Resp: 8.55
